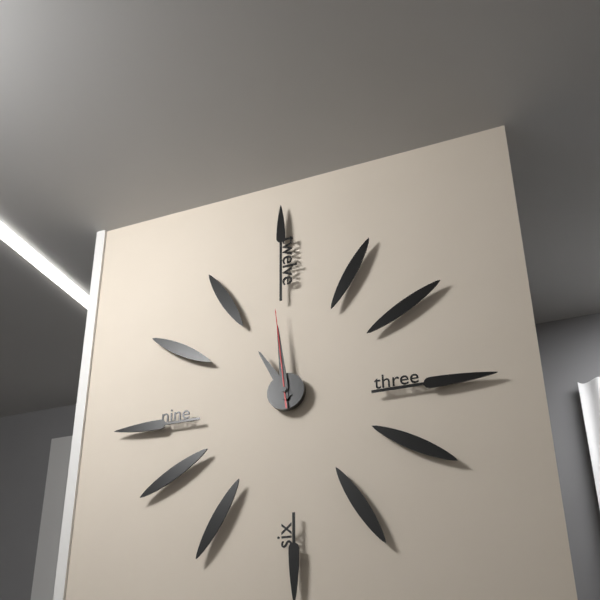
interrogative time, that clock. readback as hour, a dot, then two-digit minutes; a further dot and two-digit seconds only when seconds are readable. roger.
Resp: 10.59.59
